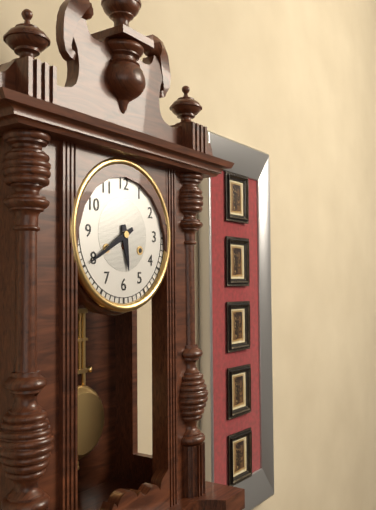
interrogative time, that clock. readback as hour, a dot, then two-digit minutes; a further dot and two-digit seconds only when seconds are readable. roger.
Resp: 5.40
